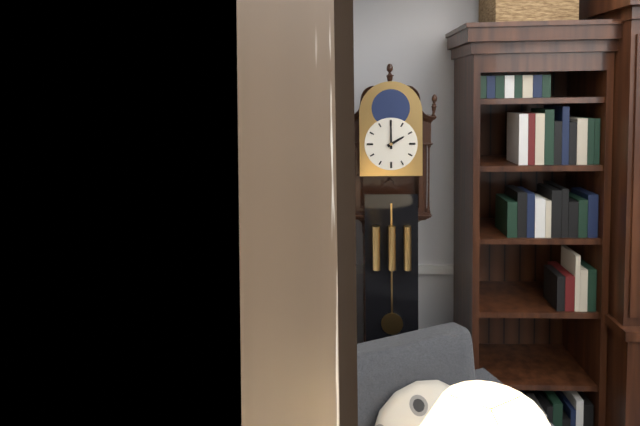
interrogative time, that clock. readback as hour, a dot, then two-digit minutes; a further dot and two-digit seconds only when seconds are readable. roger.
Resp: 2.00
